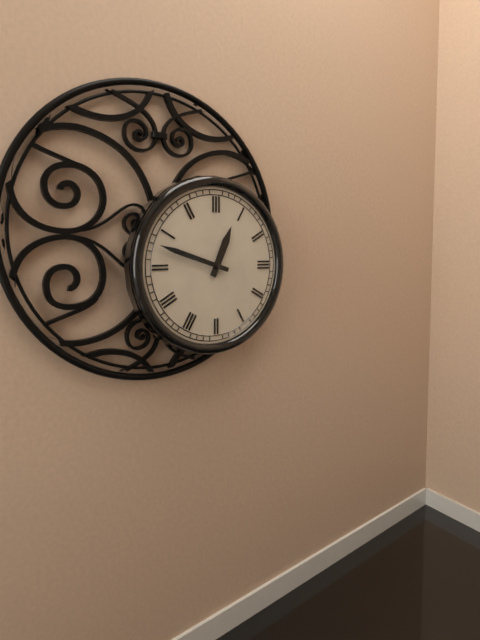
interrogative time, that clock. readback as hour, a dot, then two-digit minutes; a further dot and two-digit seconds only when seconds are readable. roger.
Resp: 12.48
